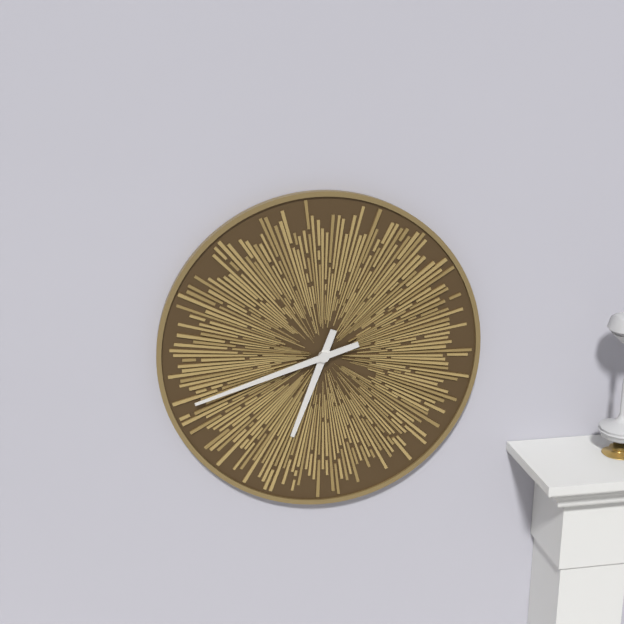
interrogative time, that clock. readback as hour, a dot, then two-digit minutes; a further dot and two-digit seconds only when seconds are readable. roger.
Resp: 6.42
